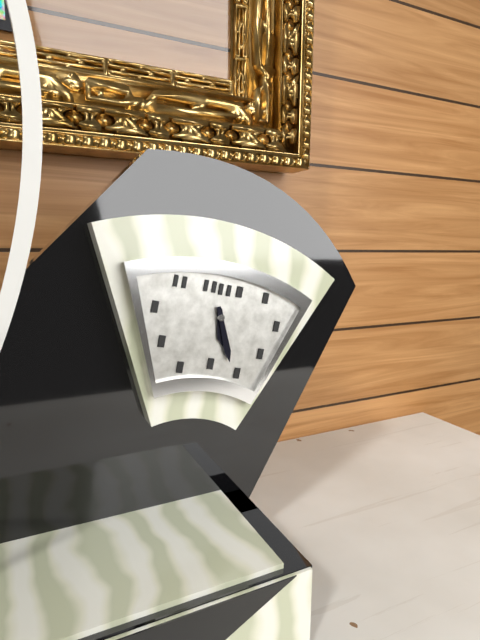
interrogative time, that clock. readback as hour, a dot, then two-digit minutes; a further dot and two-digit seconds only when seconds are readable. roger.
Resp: 5.26
